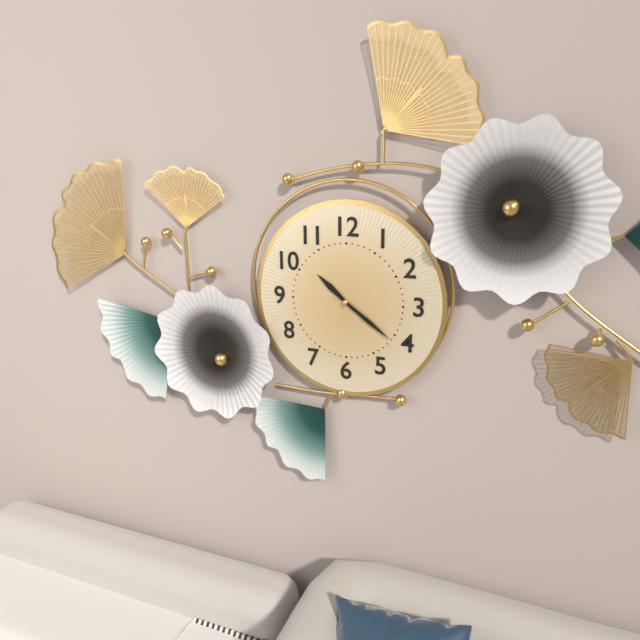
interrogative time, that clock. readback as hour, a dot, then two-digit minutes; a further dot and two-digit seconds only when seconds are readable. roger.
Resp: 10.21
